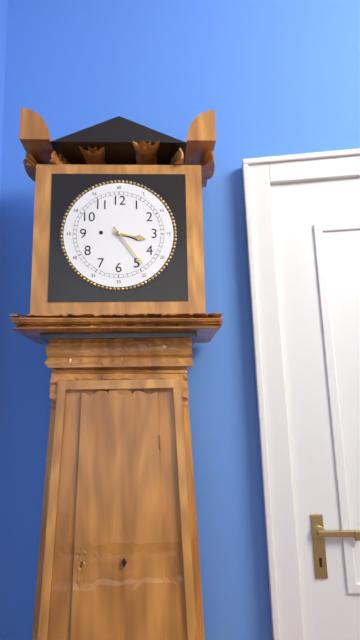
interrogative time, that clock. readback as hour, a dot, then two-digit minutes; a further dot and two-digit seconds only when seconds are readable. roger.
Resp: 3.24
